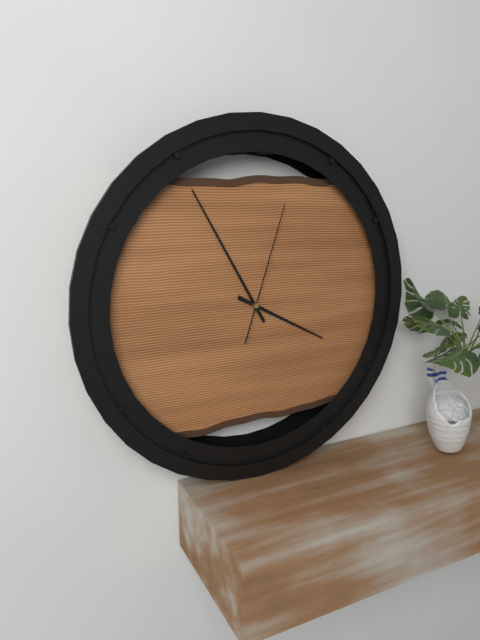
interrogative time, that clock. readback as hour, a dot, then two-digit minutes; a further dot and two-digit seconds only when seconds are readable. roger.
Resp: 3.55.03
